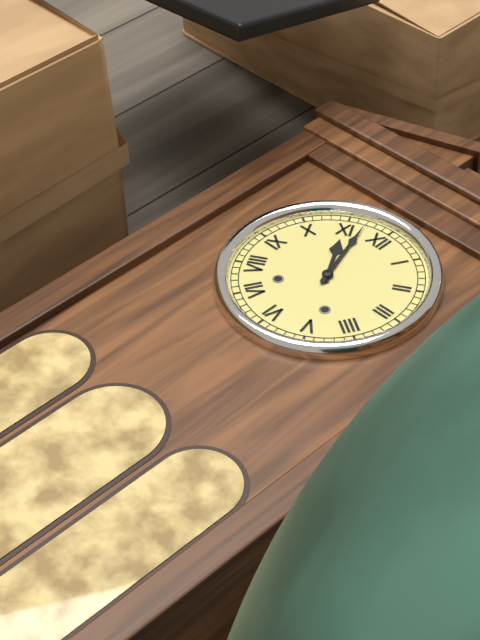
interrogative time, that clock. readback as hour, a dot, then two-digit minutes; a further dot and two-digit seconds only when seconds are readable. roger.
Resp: 10.57
